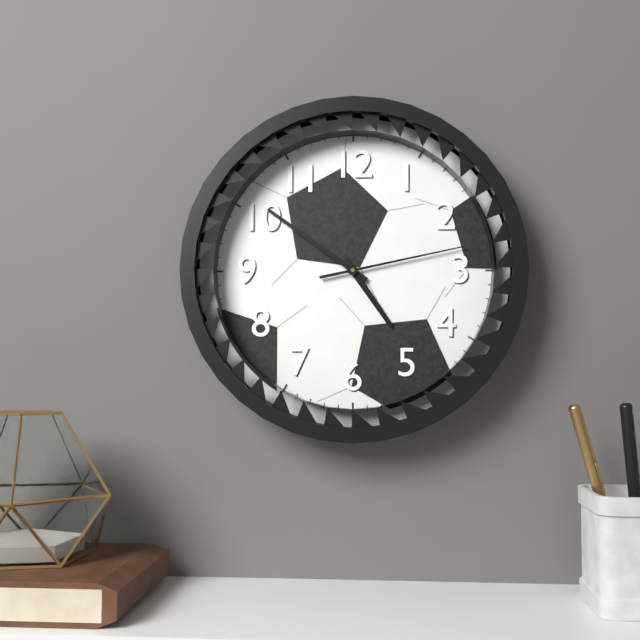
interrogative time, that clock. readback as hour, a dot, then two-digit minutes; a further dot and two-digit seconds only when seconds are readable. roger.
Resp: 4.51.13
